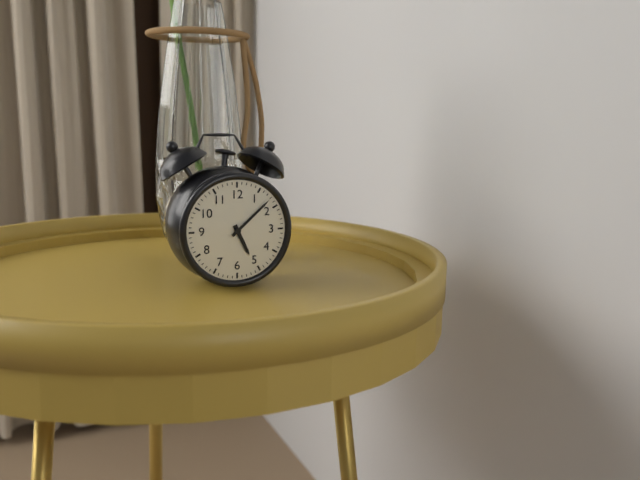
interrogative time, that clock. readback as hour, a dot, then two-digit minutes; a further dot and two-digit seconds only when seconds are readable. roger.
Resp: 5.08
